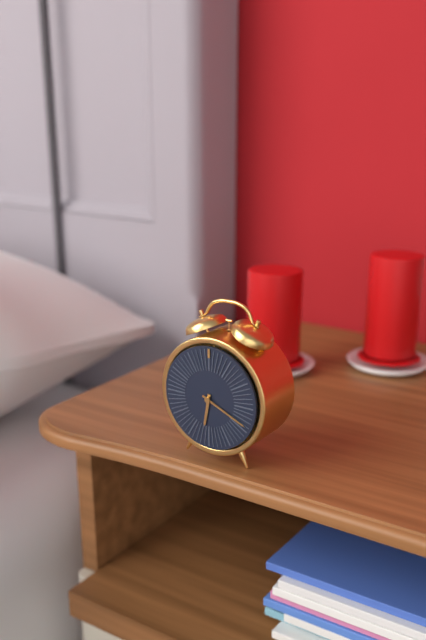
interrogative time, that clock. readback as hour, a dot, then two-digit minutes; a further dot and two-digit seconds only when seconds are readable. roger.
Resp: 6.19
